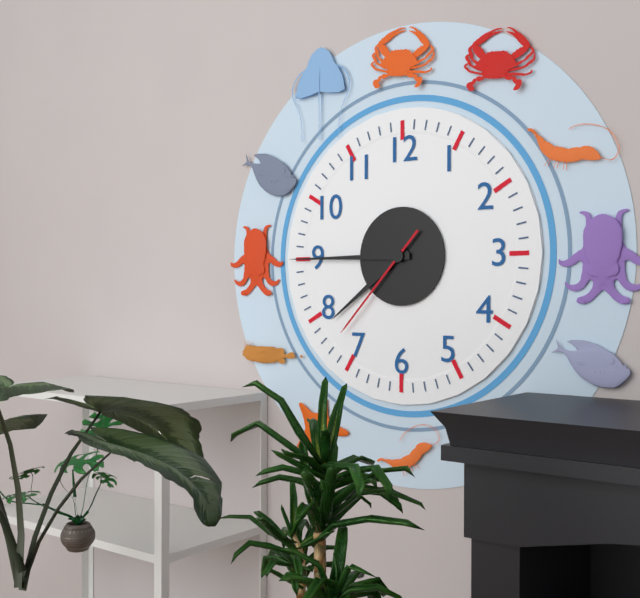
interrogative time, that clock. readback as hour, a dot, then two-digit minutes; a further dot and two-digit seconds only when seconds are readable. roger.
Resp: 7.45.37
